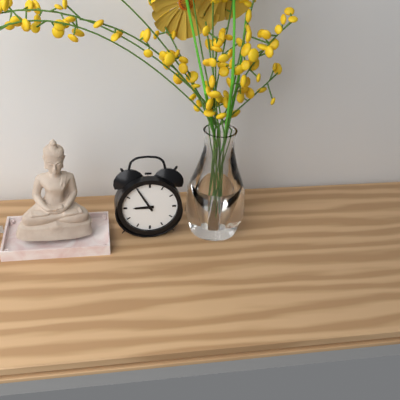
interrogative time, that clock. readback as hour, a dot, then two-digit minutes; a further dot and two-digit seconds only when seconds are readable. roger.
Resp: 8.55
